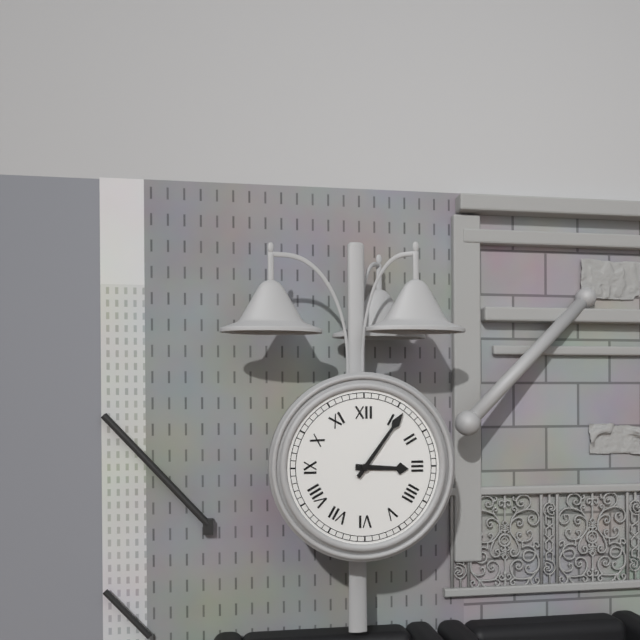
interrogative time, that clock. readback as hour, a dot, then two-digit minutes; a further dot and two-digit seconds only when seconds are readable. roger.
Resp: 3.06
